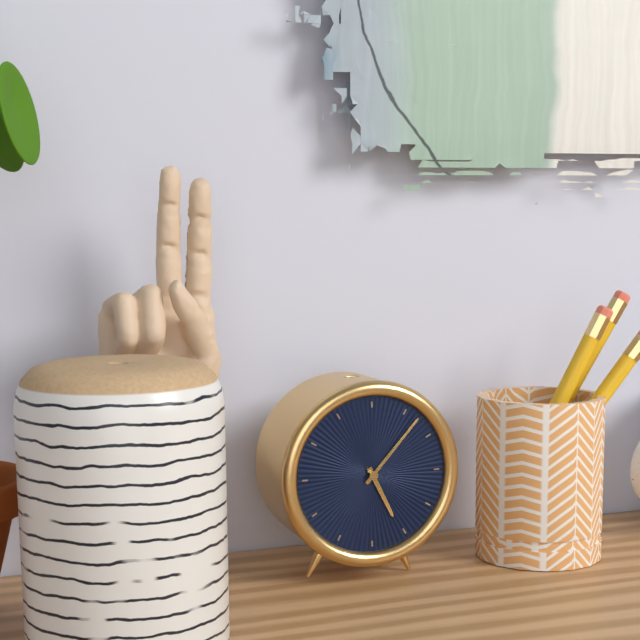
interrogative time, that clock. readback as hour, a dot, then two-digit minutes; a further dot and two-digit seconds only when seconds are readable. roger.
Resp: 5.07
